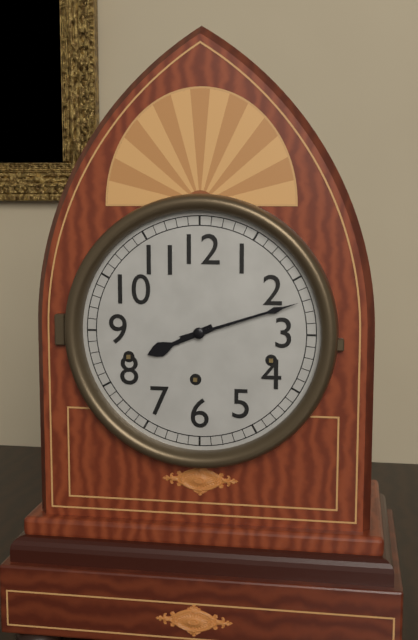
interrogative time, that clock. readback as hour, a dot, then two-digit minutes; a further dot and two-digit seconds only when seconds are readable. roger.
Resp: 8.12
